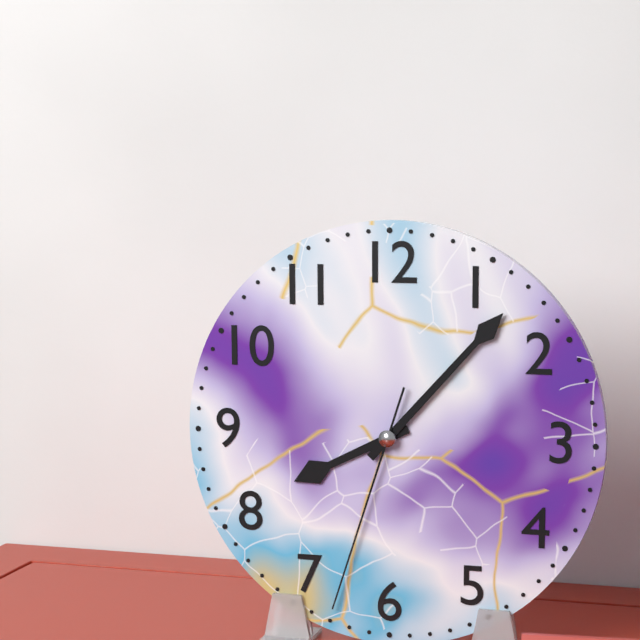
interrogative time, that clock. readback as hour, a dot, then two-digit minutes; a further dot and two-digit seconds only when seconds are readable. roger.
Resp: 8.07.33
